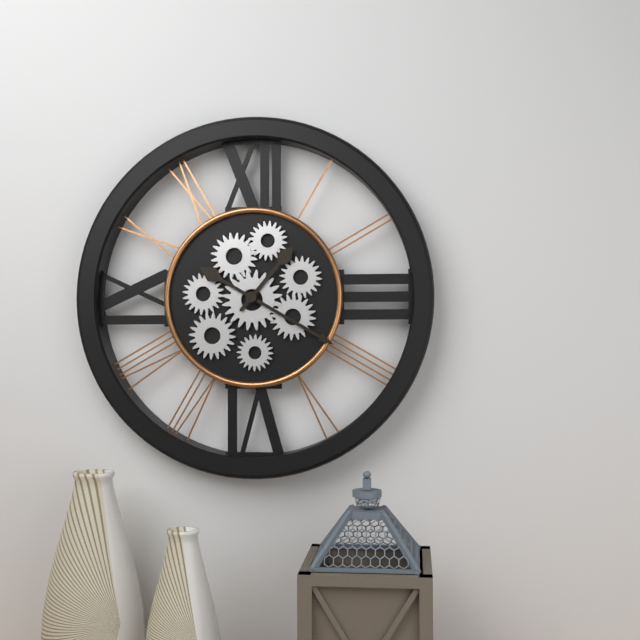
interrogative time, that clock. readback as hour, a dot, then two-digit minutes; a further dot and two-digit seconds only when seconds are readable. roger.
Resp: 1.20
